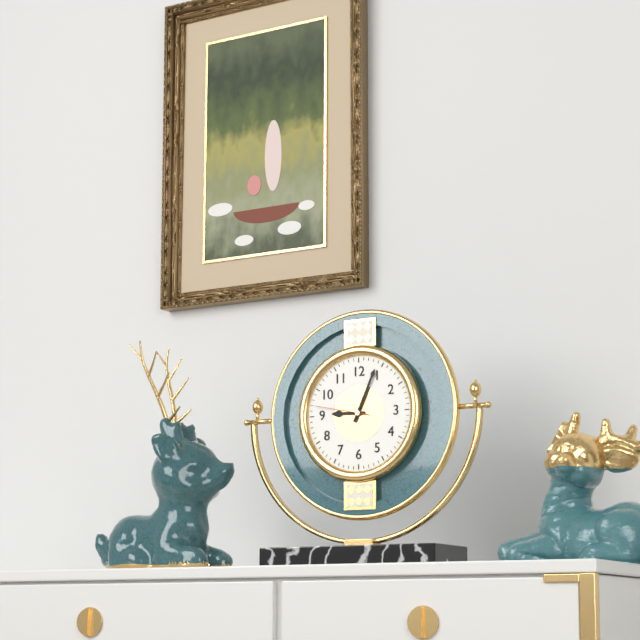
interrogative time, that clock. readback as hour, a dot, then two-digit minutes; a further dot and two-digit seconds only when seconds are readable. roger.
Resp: 9.04.47
